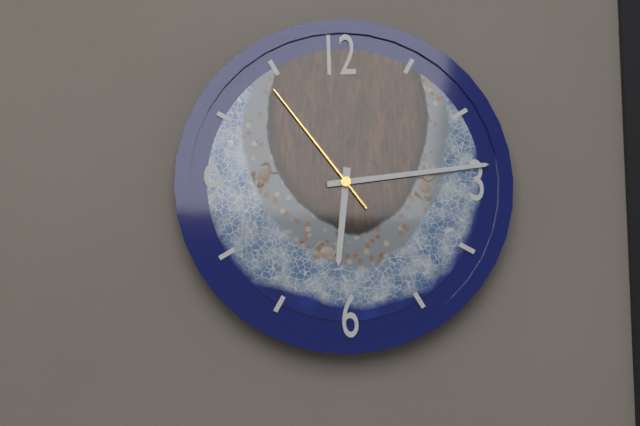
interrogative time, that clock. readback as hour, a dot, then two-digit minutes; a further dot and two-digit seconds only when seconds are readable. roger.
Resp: 6.14.54
